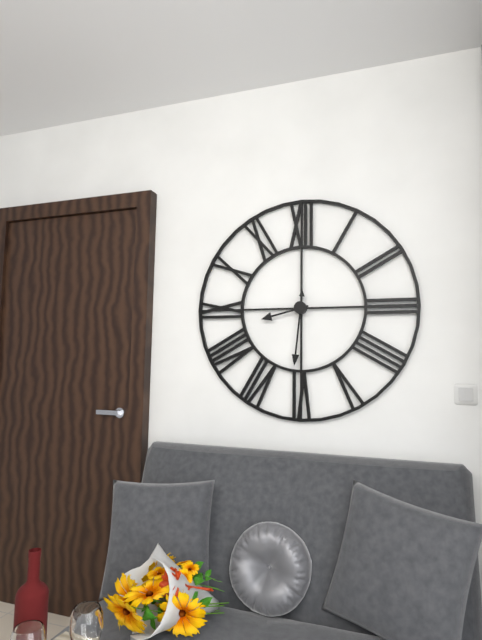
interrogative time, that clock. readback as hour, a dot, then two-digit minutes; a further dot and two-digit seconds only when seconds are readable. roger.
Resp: 8.31
